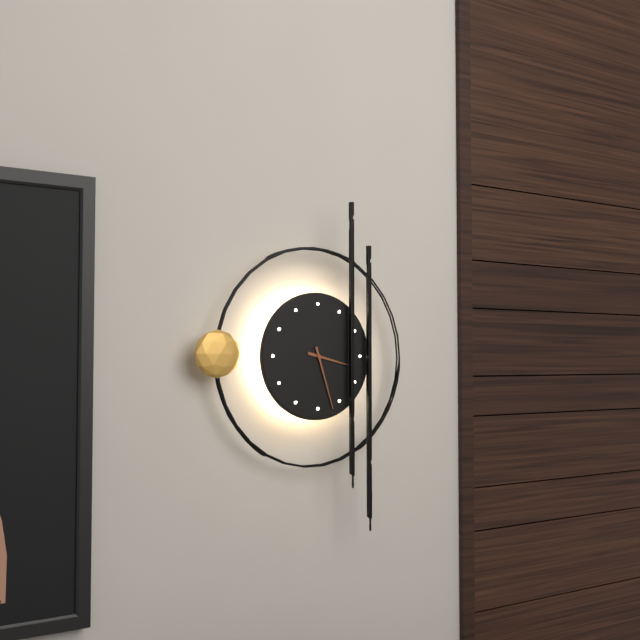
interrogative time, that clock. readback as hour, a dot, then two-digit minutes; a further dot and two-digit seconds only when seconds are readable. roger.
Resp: 3.27
